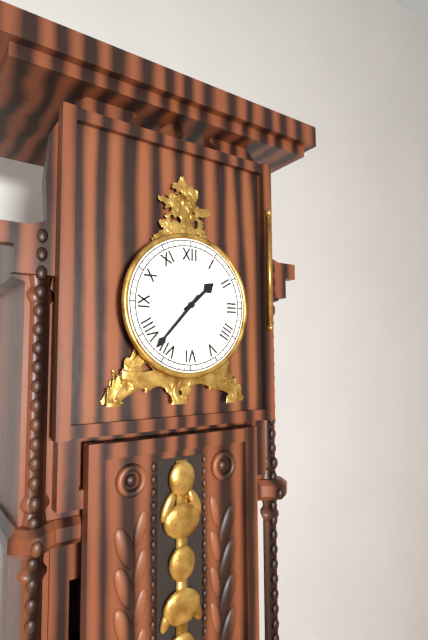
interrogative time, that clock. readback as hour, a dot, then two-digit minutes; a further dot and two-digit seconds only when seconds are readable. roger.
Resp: 1.37
